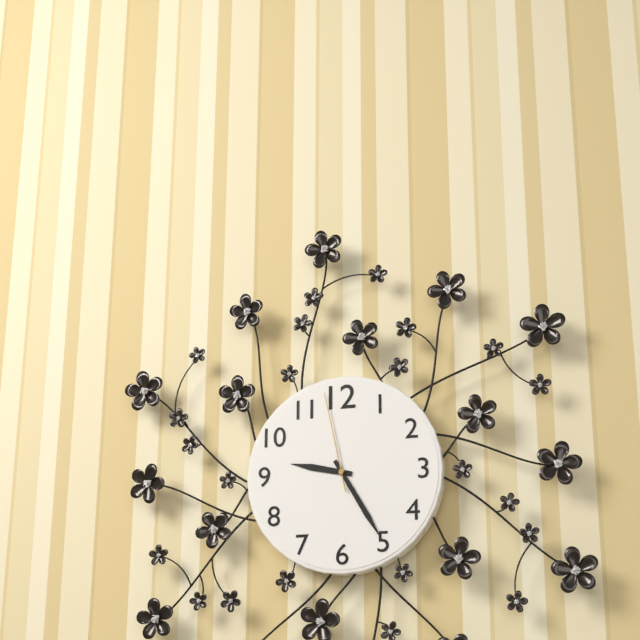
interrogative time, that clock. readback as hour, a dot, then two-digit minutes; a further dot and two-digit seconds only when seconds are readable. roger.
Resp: 9.25.58
